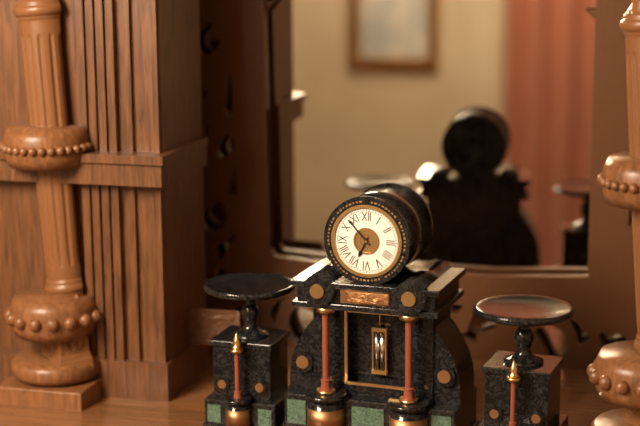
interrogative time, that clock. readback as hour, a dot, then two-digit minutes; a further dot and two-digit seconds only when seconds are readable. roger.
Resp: 6.53
